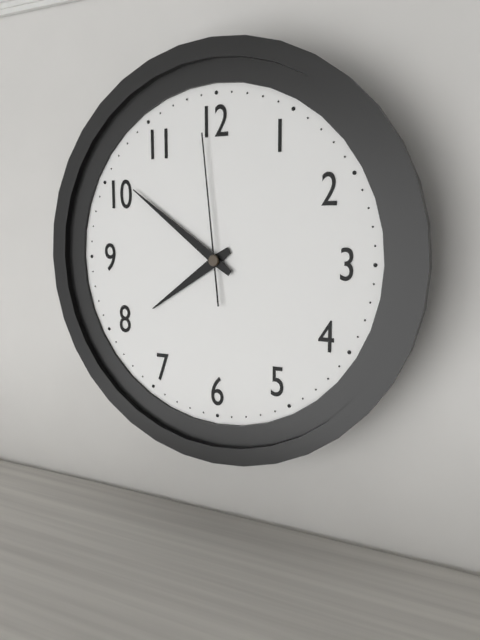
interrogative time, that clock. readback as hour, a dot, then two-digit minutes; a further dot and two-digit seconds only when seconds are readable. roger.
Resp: 7.51.59
